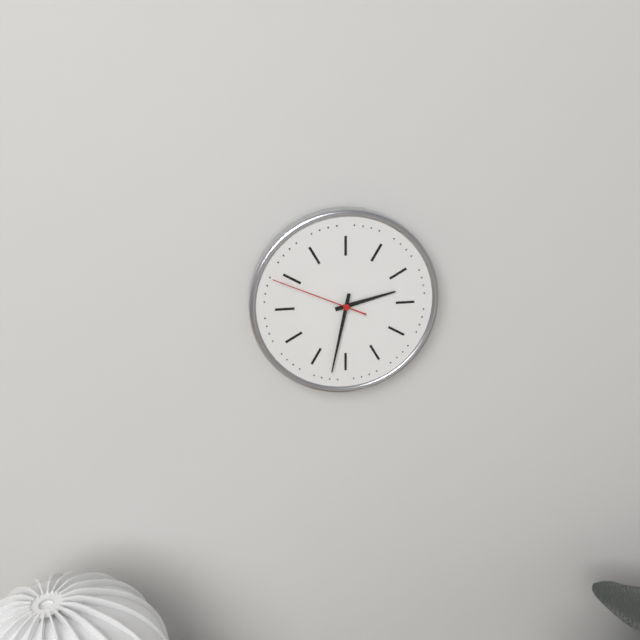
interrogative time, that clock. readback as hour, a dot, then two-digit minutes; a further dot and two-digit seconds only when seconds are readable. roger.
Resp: 2.32.49
